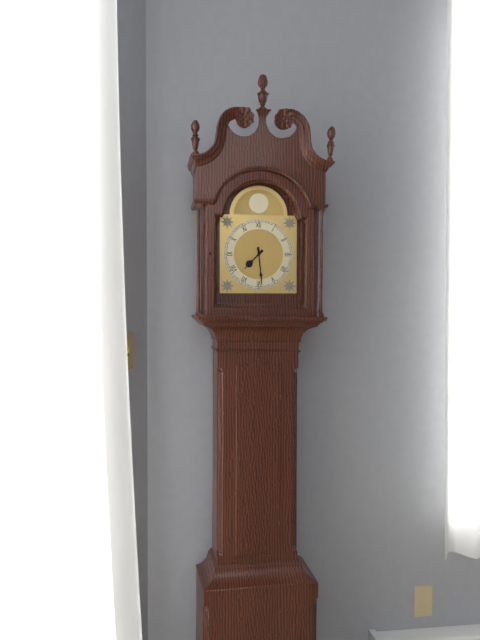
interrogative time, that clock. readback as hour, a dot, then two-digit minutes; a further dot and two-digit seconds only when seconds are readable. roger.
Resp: 7.29
